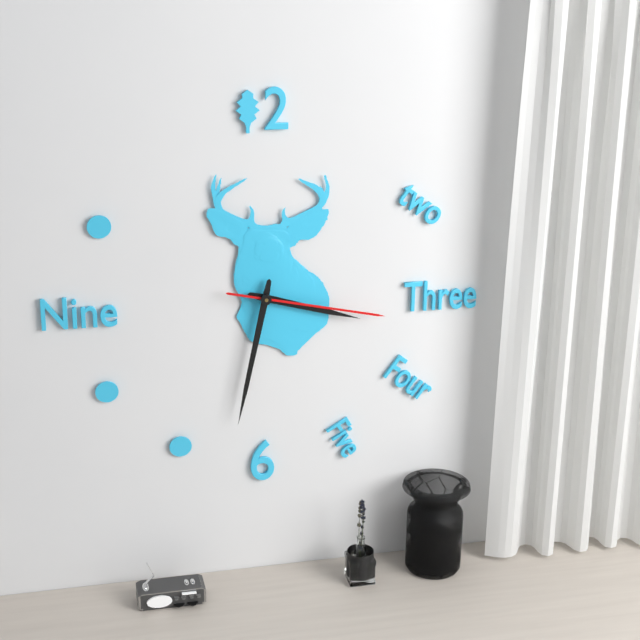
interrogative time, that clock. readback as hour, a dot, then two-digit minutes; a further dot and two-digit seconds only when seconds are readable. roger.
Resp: 3.32.17
